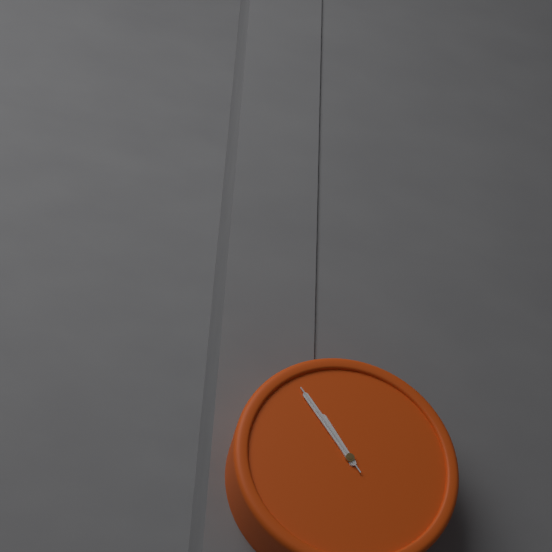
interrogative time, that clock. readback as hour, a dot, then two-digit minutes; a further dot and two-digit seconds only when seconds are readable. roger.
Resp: 10.54.54
